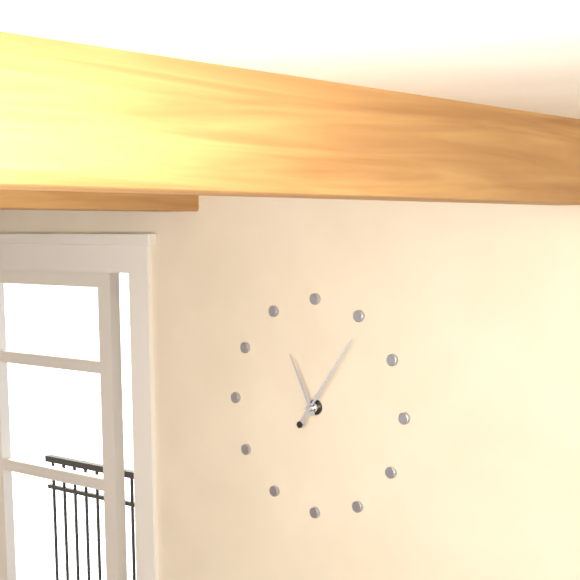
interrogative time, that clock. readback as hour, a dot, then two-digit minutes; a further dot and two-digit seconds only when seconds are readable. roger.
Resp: 11.06
